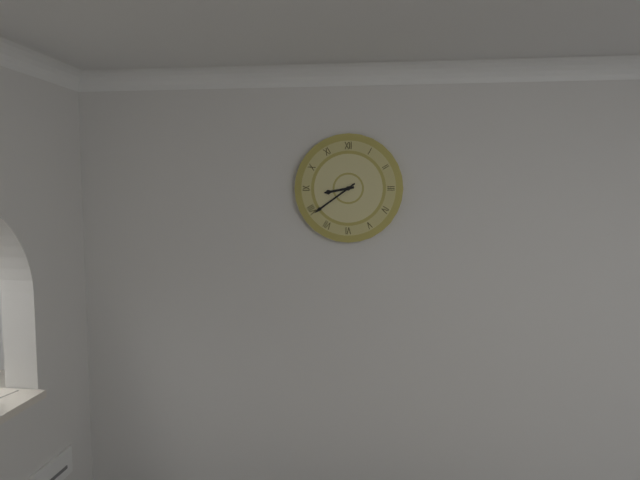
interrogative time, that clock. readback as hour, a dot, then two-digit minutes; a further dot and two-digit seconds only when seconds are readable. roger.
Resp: 8.39
